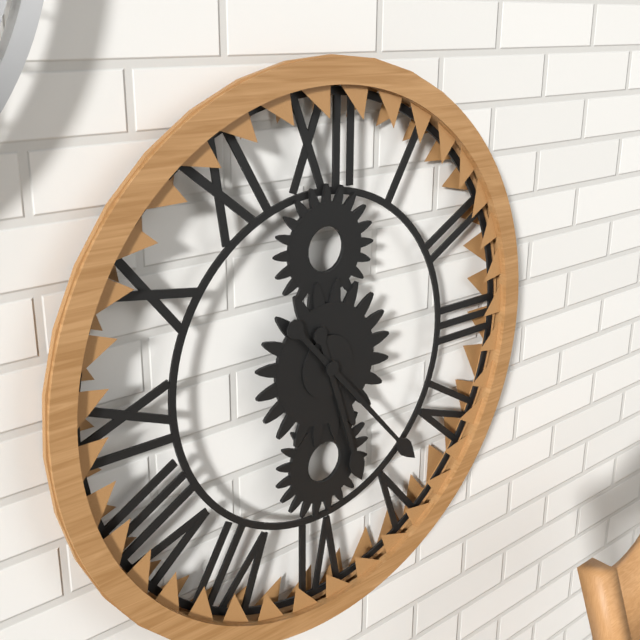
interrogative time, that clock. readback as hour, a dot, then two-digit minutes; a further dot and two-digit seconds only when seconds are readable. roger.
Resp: 5.23
